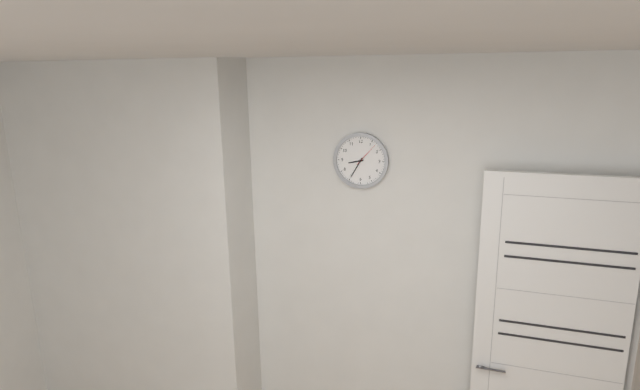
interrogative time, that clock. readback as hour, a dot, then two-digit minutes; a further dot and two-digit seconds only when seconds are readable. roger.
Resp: 8.35
